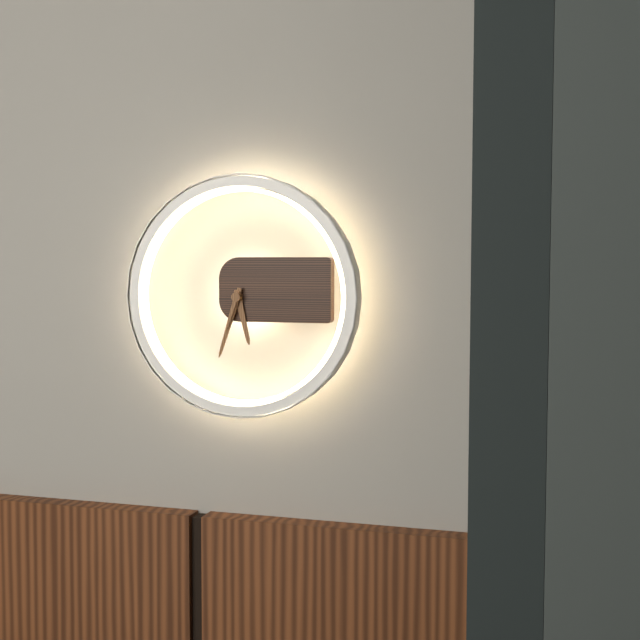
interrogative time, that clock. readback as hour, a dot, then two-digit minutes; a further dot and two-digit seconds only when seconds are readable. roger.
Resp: 5.33.33
